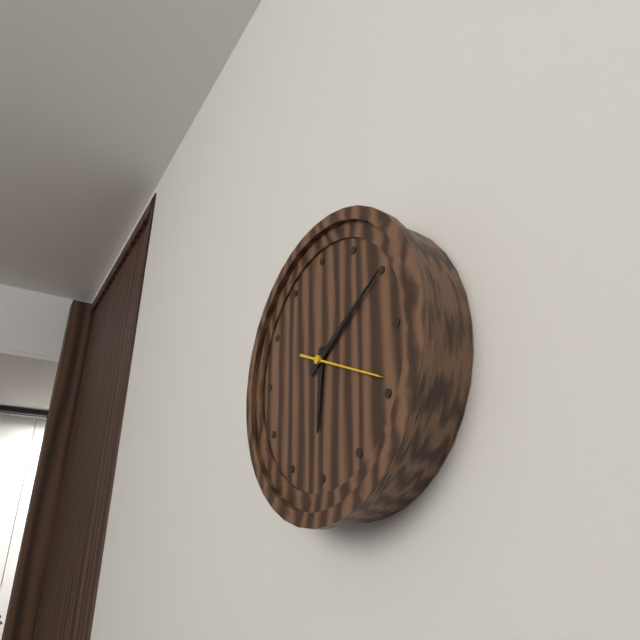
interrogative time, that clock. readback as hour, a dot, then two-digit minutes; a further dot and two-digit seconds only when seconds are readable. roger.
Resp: 6.10.19
